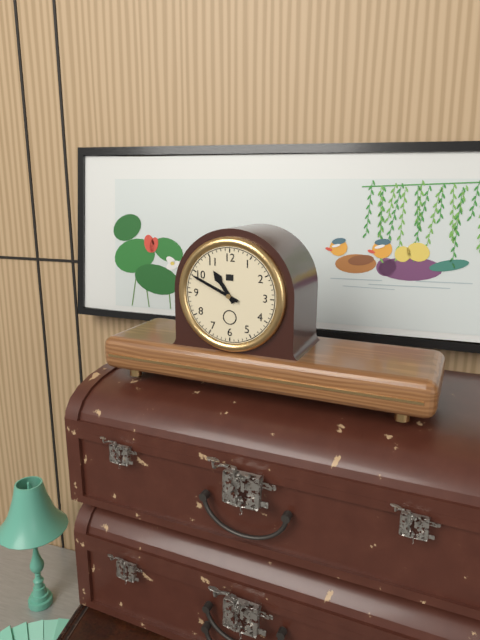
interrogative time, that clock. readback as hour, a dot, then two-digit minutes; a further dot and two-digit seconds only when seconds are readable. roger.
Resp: 10.49
